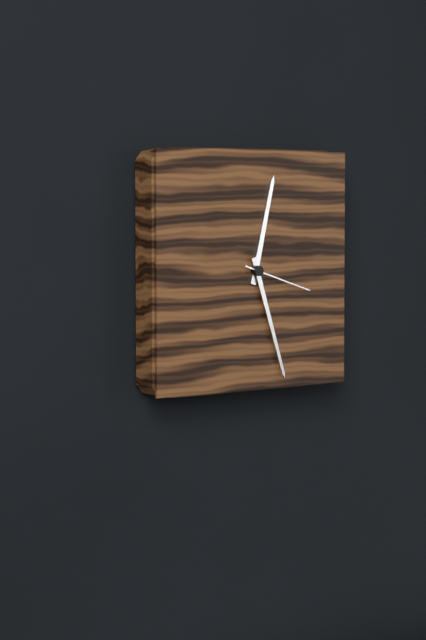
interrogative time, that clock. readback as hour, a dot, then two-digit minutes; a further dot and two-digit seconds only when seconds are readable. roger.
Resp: 12.27.18
